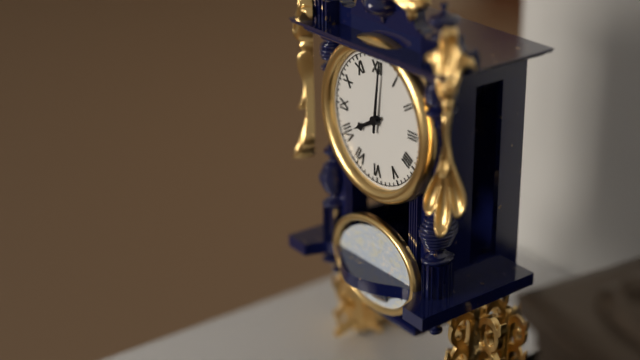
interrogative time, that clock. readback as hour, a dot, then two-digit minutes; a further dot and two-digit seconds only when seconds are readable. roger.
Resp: 8.01
